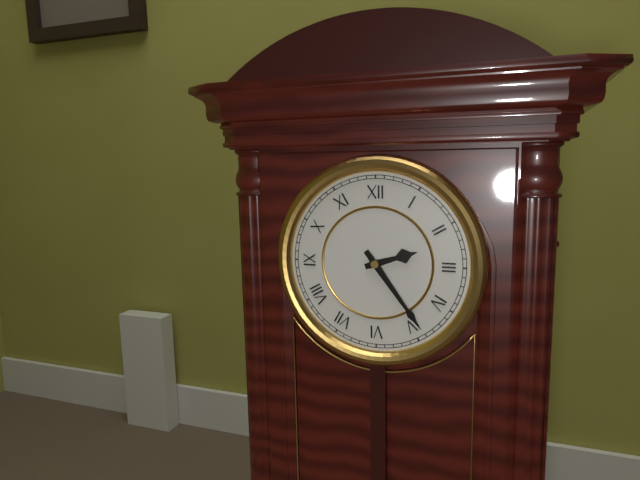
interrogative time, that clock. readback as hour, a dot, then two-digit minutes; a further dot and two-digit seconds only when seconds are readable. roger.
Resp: 2.24
